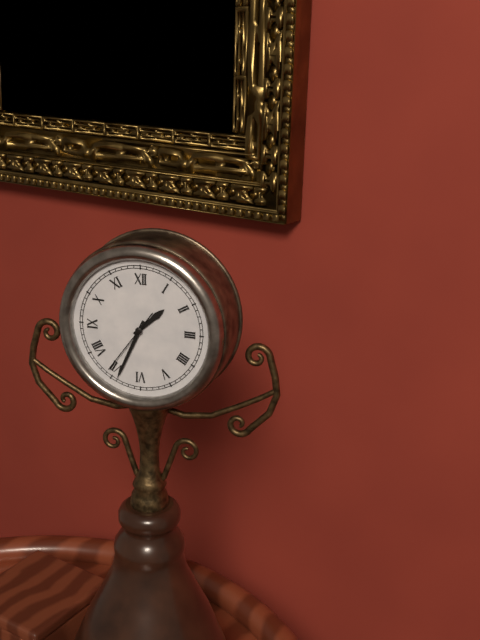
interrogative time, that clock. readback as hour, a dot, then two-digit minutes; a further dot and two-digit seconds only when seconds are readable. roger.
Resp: 1.34.36
